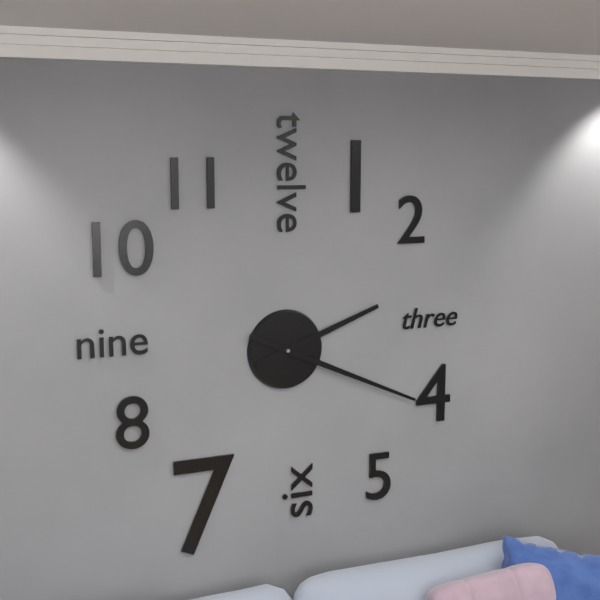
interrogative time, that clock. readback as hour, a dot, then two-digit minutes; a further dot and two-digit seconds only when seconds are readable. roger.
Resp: 2.19
